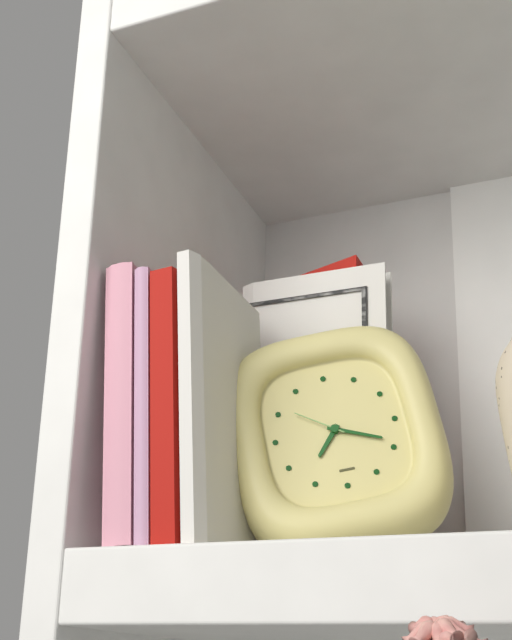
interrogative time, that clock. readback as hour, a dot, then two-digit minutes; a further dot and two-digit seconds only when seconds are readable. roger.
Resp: 7.19.51
